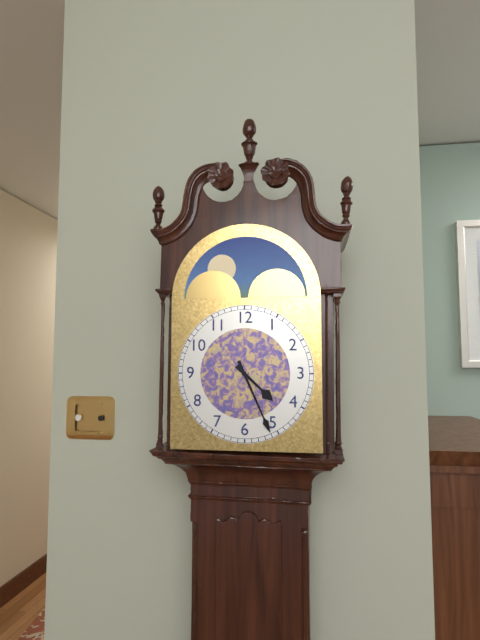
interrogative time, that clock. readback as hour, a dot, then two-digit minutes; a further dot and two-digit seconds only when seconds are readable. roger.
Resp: 4.26
